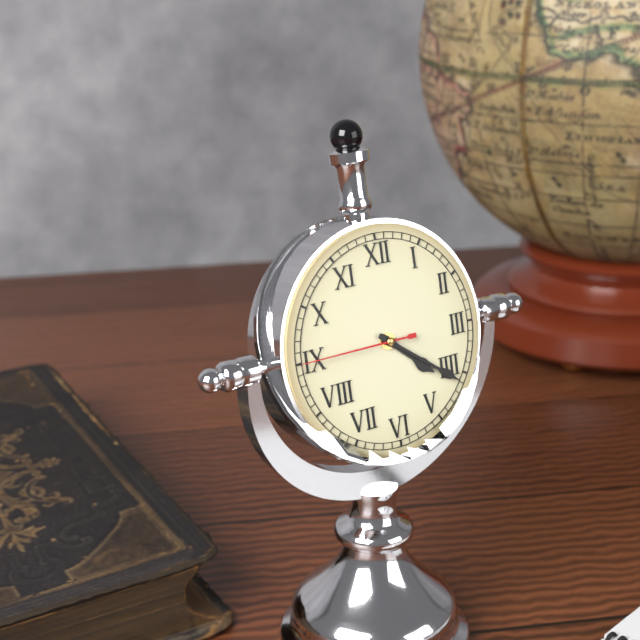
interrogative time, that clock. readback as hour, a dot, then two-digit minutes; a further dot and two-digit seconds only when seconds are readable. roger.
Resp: 4.21.45
